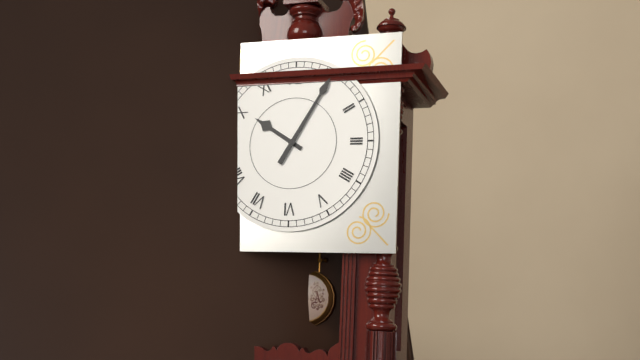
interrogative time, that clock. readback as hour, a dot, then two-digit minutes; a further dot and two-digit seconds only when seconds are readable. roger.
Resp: 10.05
